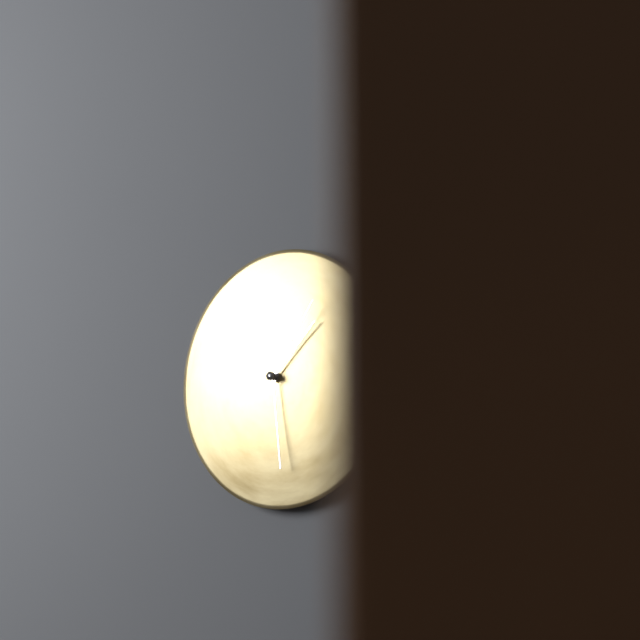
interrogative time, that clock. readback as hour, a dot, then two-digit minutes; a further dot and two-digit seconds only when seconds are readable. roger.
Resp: 1.29.06
